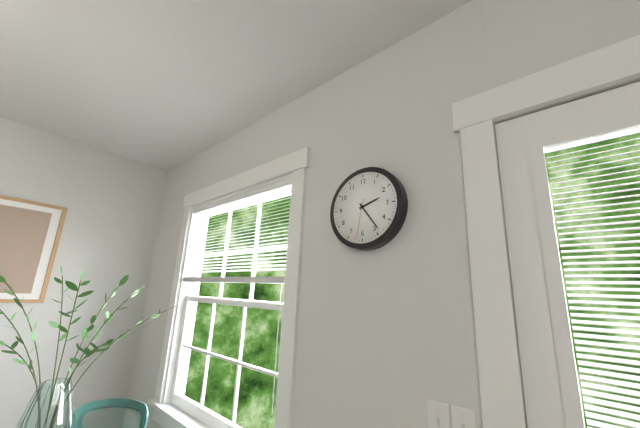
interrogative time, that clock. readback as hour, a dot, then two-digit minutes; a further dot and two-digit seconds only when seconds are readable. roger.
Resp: 2.24
